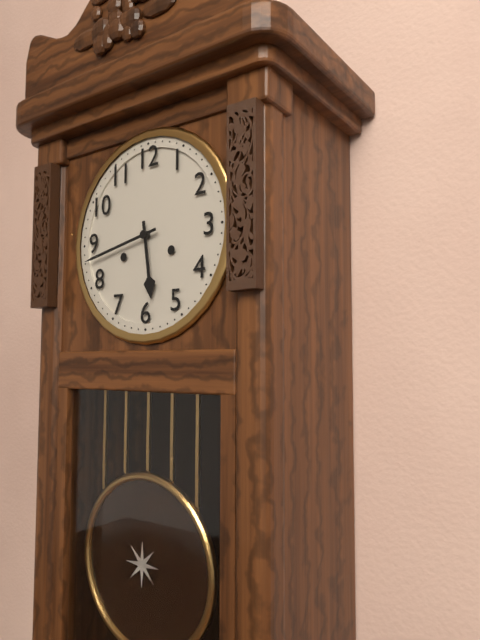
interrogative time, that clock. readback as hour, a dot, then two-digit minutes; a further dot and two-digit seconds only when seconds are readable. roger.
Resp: 5.43
